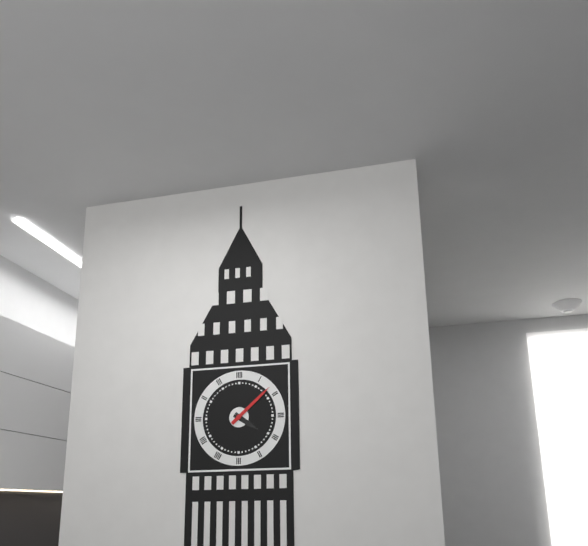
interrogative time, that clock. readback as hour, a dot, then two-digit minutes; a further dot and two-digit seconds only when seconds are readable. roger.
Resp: 4.08
